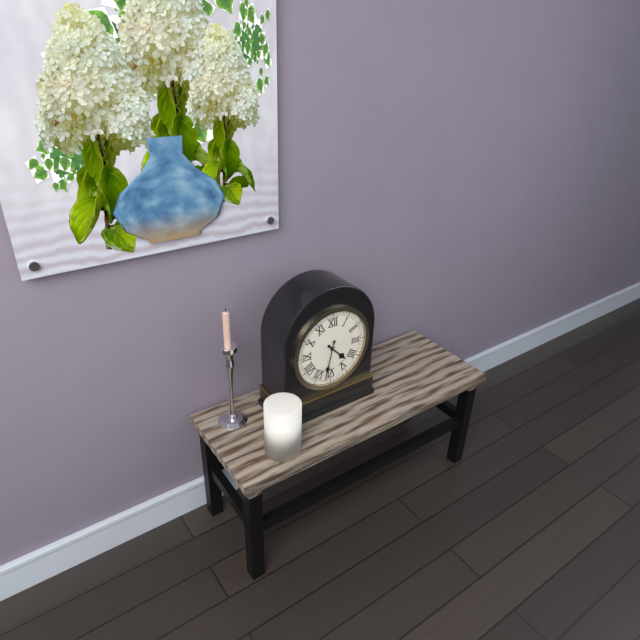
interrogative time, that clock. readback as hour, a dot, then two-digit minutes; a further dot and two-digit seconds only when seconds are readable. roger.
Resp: 4.32
